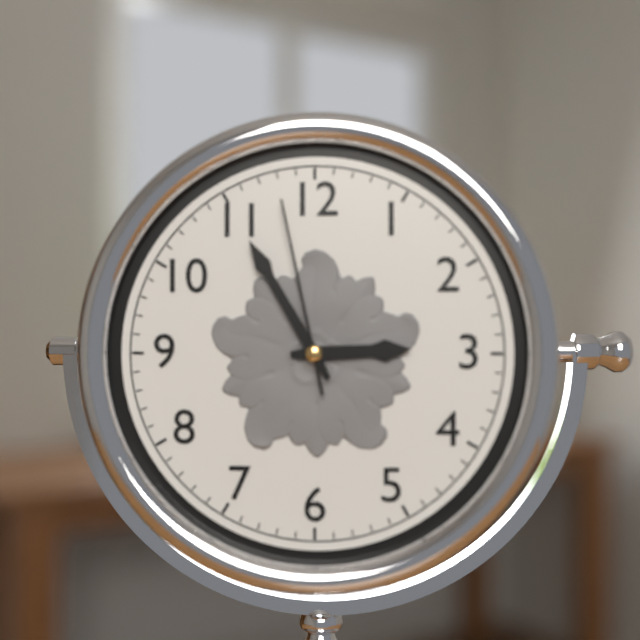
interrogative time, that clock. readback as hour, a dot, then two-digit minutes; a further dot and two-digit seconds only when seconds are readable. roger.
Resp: 2.55.58
